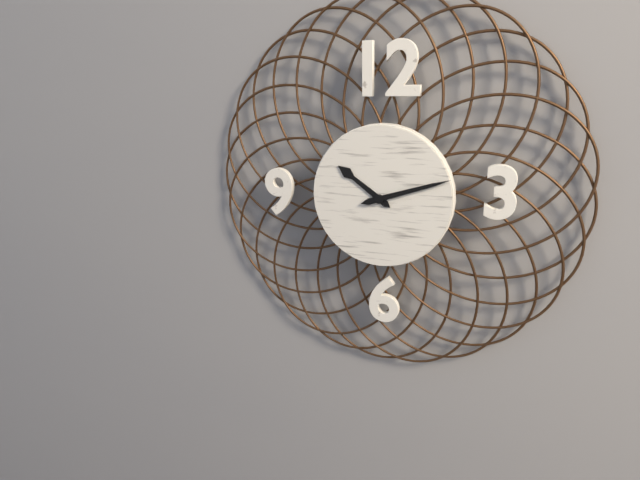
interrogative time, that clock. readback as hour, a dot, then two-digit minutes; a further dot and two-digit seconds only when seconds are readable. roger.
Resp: 10.12
